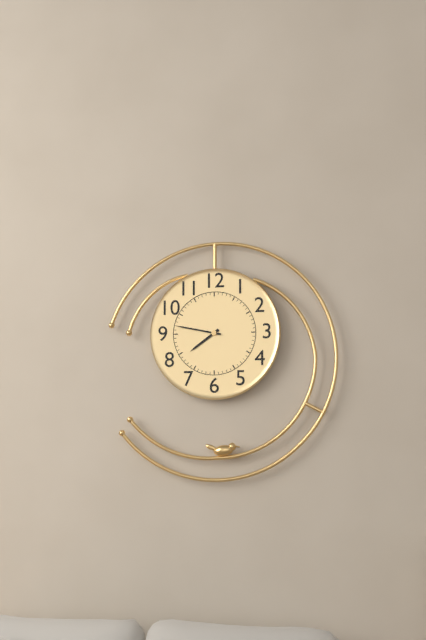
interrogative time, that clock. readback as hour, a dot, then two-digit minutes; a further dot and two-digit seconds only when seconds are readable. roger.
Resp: 7.47
